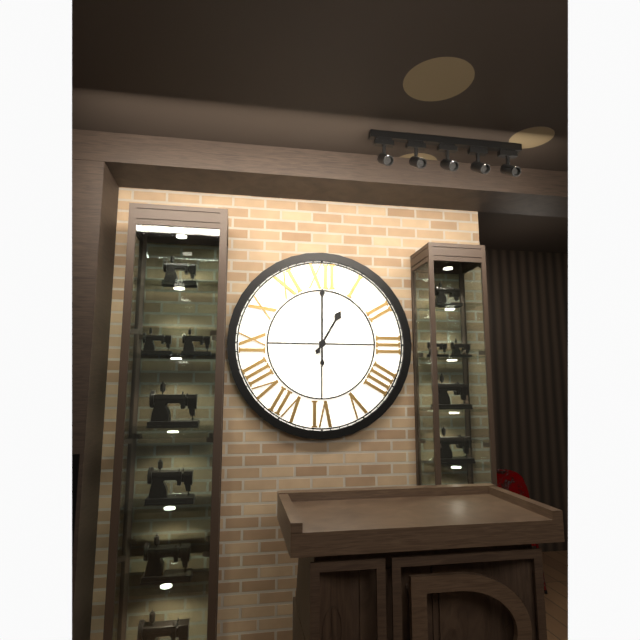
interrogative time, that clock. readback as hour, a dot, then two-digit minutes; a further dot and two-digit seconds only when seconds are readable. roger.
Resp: 1.00
